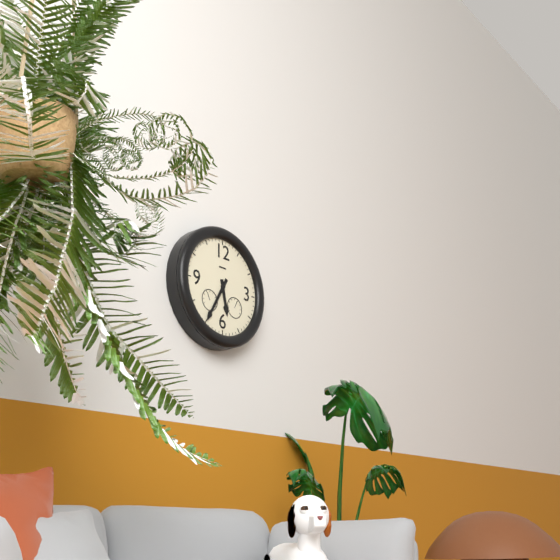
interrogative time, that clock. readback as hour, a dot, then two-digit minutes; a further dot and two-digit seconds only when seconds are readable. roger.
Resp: 5.35
